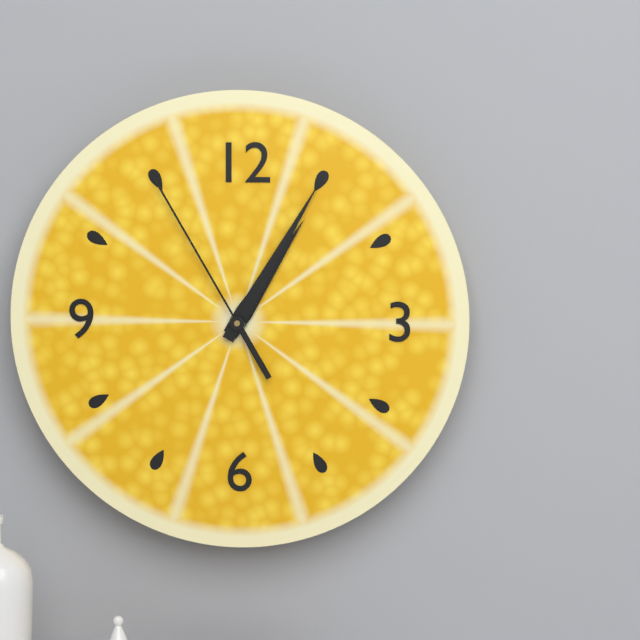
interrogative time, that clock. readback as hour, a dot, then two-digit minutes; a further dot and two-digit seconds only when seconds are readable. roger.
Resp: 1.05.55
